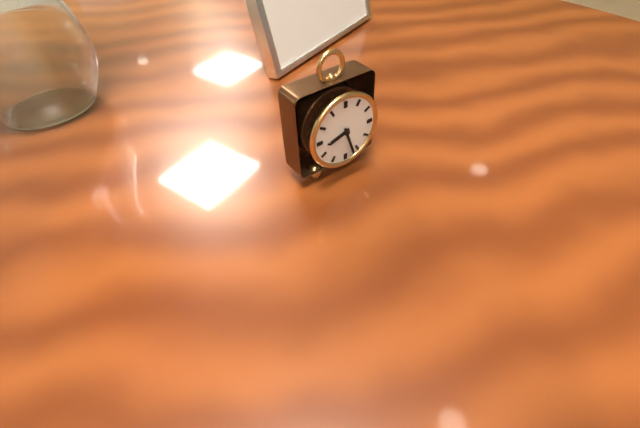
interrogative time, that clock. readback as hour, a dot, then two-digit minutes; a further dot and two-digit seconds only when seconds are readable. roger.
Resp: 8.27
